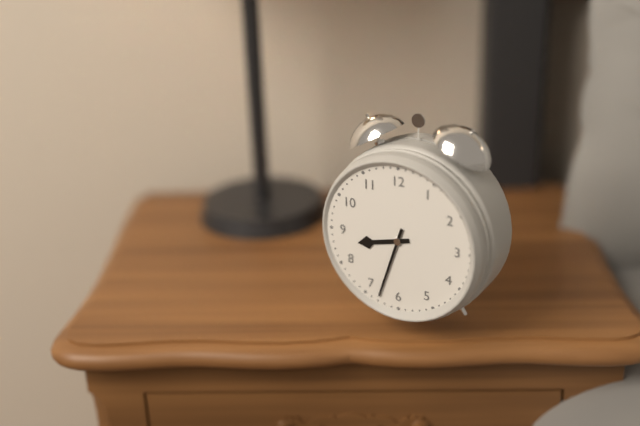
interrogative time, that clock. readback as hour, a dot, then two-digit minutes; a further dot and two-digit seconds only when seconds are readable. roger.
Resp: 8.33
